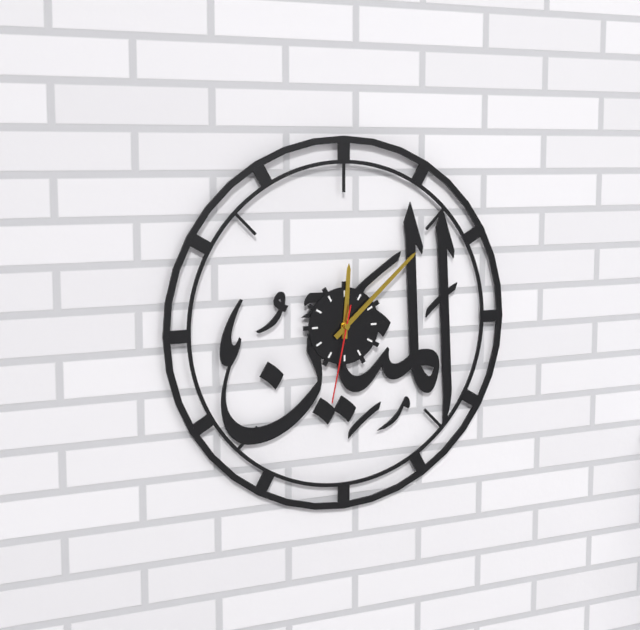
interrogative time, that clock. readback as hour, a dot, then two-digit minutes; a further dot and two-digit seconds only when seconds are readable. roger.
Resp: 12.08.32
